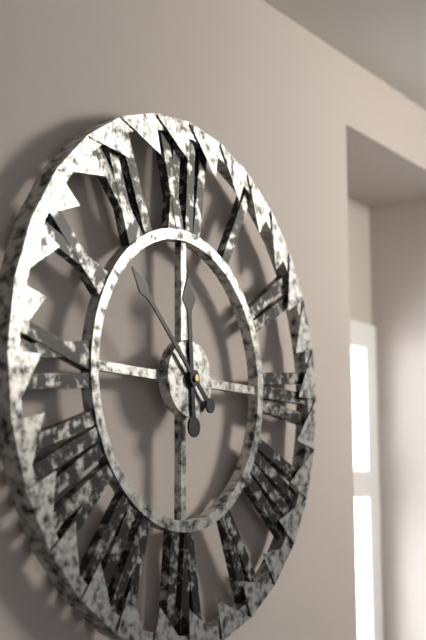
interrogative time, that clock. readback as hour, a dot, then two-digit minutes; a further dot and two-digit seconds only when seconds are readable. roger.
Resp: 11.52
